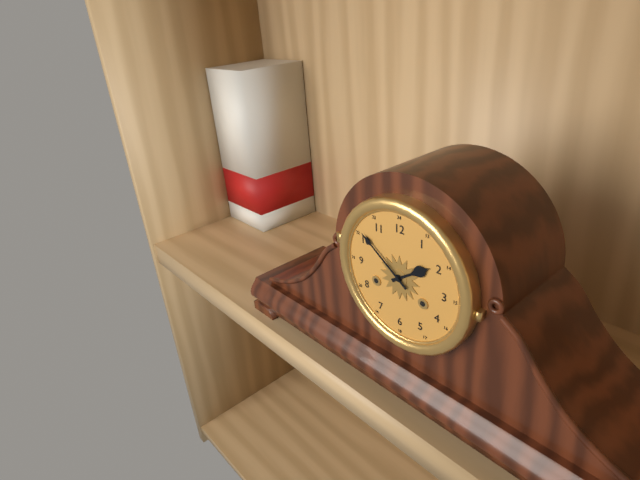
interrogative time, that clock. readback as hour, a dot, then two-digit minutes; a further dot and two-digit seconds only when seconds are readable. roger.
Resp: 1.51
